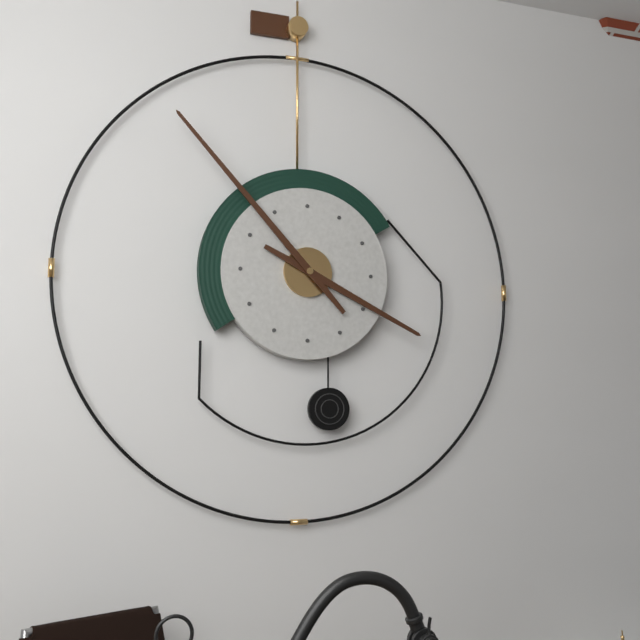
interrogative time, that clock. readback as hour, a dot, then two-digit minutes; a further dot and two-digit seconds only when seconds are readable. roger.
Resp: 3.53
